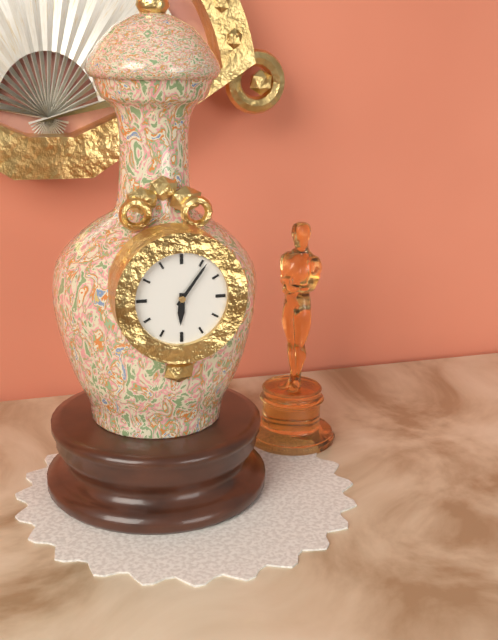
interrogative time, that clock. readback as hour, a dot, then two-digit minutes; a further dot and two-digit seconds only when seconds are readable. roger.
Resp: 6.06
